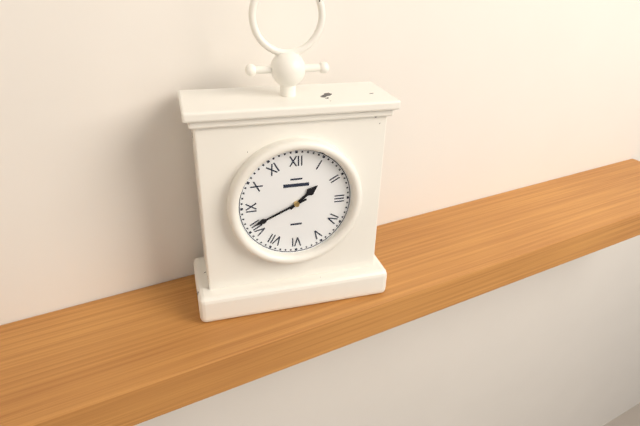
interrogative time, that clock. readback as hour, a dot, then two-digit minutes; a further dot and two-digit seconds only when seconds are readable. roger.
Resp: 1.41
